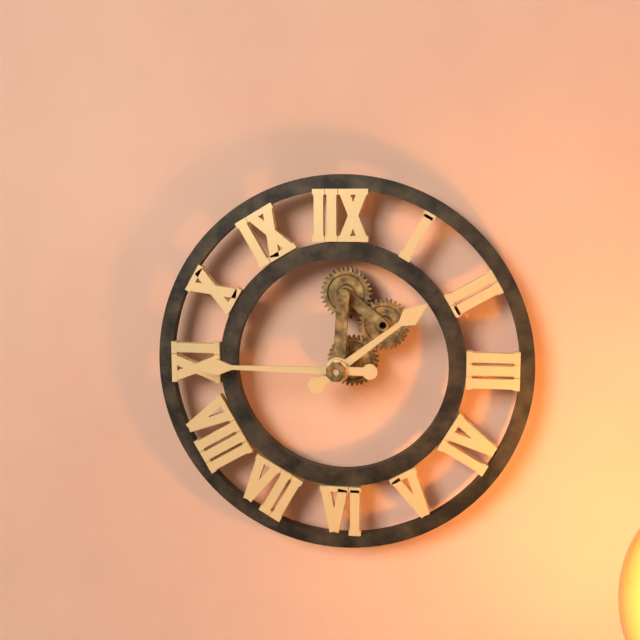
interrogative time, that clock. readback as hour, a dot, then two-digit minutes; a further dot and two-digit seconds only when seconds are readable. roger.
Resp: 1.45
